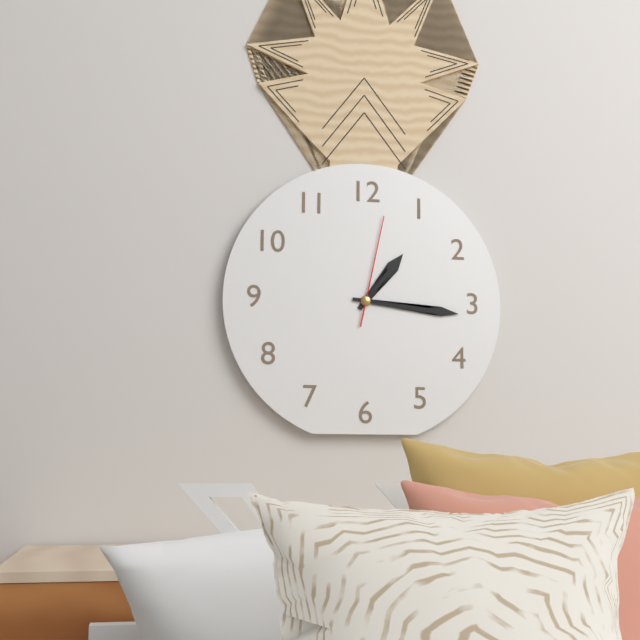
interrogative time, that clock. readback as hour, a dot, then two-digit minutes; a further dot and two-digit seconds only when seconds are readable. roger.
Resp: 1.16.02
